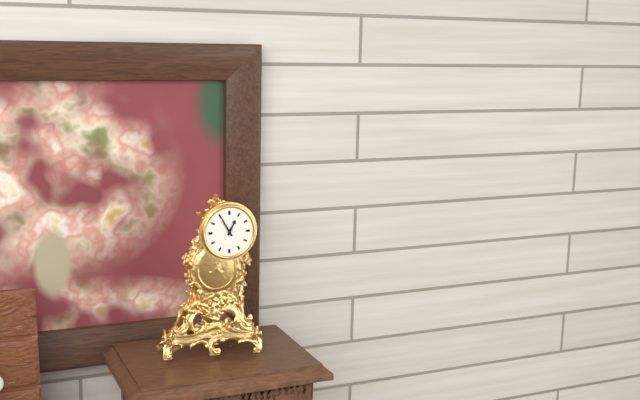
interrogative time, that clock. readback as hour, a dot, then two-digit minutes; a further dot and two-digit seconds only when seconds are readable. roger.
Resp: 12.55
